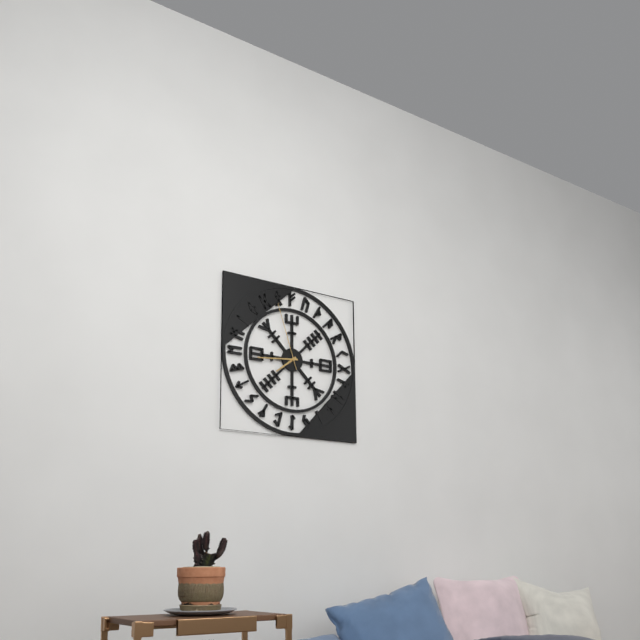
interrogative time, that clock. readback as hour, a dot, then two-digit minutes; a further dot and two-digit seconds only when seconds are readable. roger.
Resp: 7.44.57
